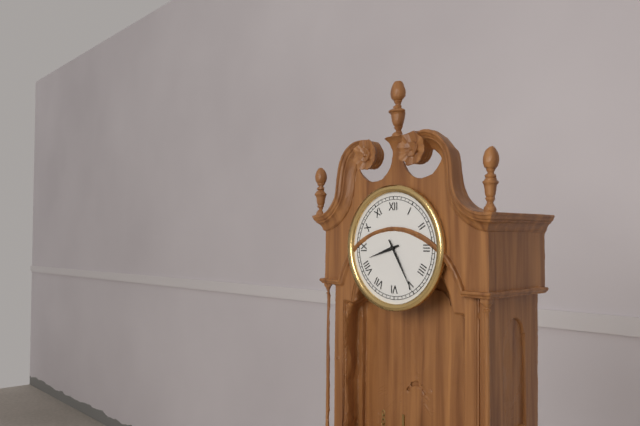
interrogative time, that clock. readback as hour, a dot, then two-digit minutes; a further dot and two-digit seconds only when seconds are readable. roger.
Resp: 8.25
